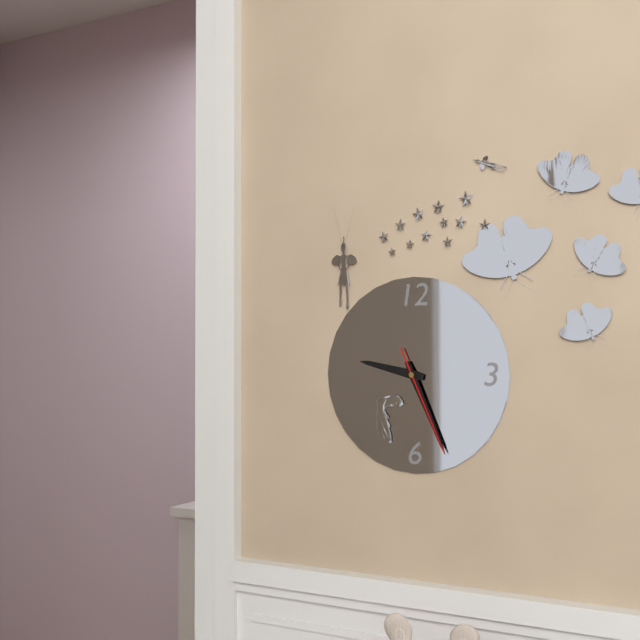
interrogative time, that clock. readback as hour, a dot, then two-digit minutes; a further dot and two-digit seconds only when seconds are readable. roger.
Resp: 9.26.26
